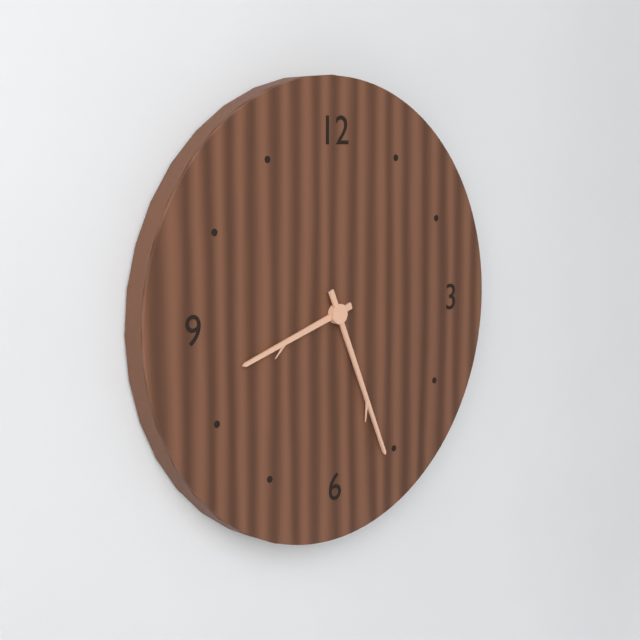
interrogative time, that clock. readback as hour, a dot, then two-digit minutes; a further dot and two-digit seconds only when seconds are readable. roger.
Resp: 8.26
